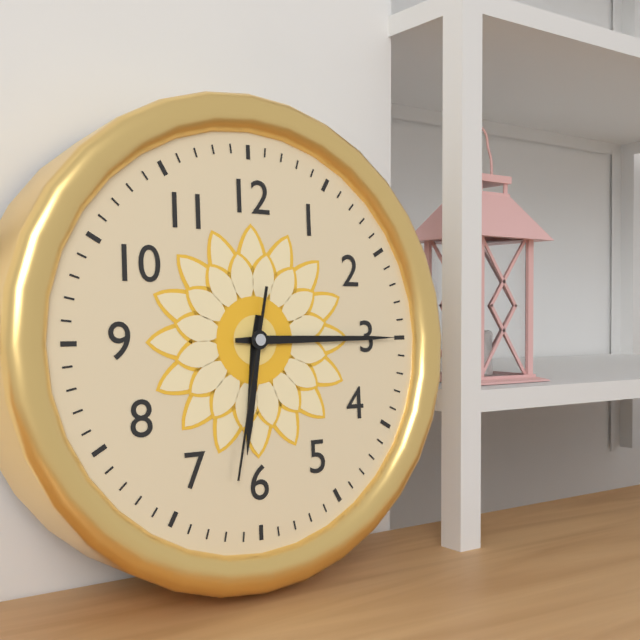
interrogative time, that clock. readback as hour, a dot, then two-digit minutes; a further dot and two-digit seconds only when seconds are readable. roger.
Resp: 6.15.32
